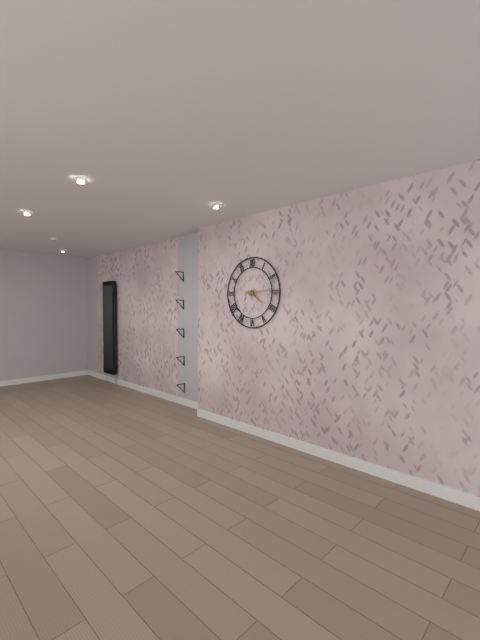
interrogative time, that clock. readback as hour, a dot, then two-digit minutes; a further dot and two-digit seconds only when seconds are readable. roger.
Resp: 4.14
